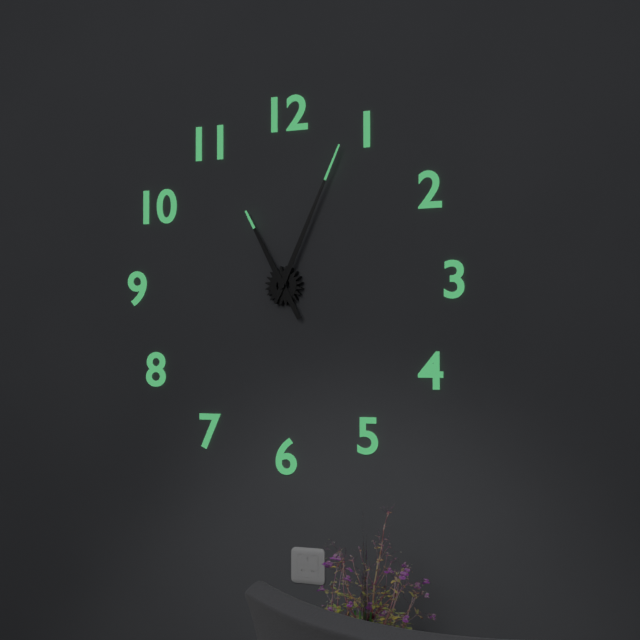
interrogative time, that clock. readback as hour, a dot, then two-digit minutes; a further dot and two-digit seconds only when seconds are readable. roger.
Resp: 11.04
